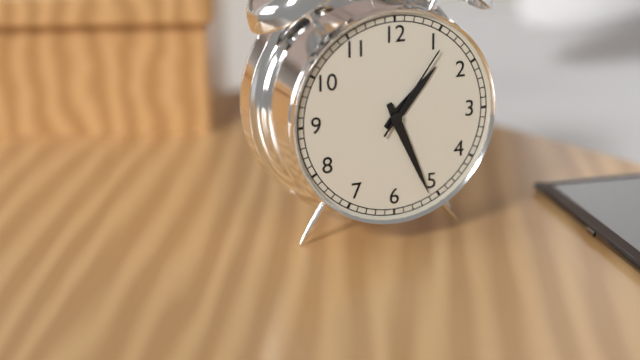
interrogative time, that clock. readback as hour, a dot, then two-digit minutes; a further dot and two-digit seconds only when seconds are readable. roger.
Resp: 1.26.06
